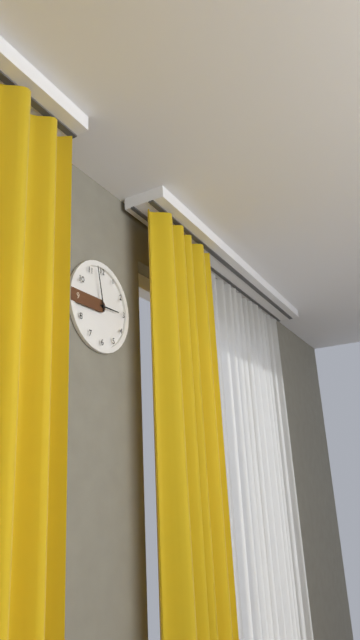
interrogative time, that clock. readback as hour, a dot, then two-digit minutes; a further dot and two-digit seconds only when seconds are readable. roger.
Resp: 2.58
